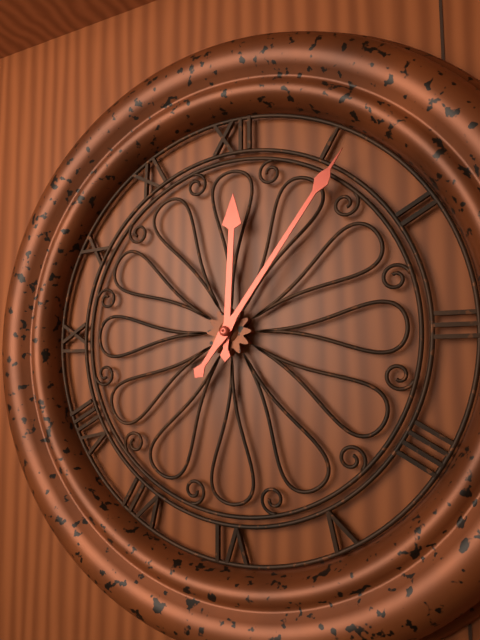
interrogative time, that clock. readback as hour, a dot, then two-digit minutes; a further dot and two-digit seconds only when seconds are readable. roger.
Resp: 12.06
